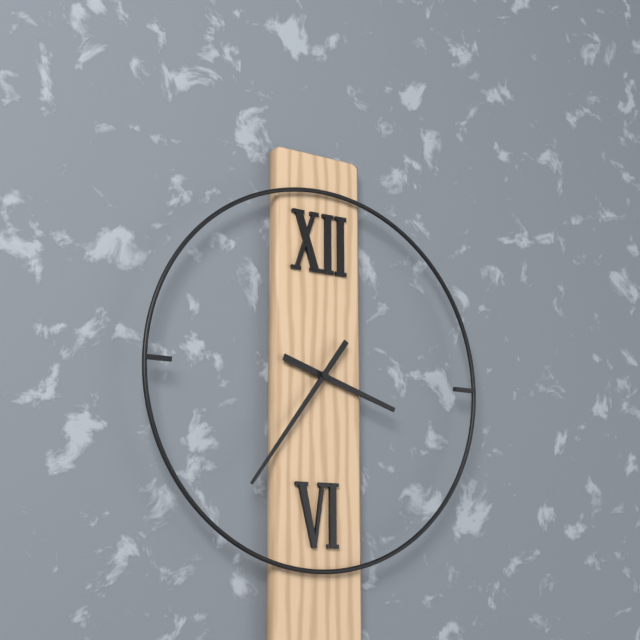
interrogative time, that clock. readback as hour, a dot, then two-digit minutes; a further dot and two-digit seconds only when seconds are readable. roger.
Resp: 3.36
